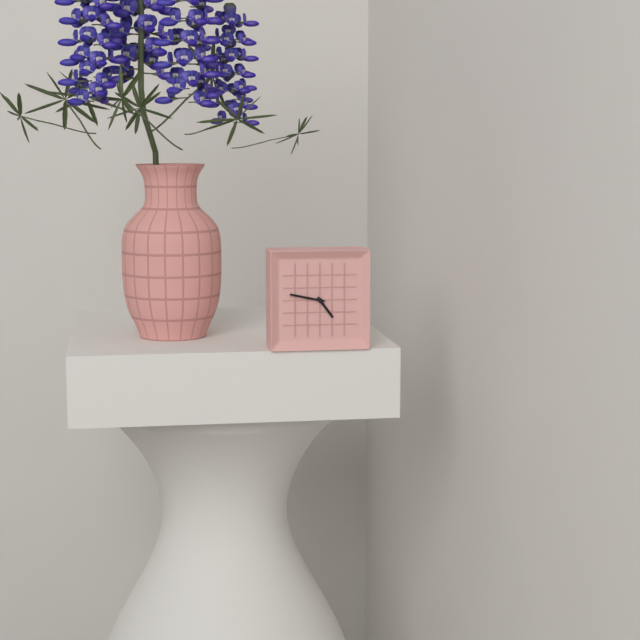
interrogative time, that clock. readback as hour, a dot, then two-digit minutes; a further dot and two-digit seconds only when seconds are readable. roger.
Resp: 4.47
